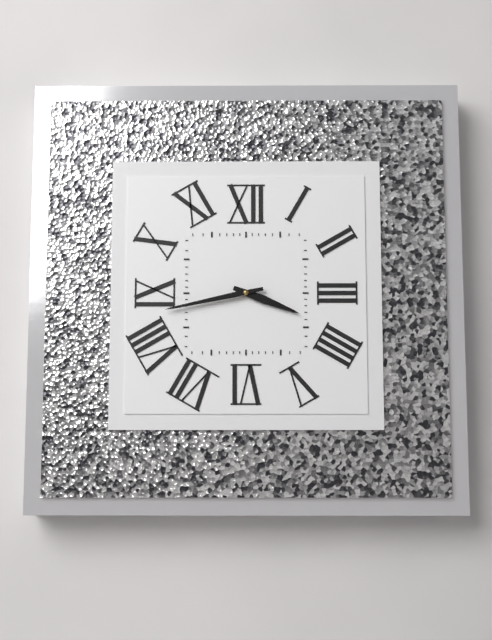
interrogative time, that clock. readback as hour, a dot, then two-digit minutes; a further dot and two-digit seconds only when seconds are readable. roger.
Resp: 3.43
